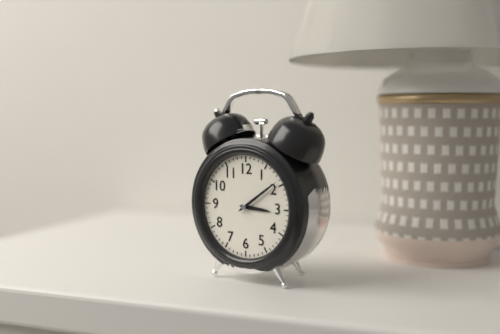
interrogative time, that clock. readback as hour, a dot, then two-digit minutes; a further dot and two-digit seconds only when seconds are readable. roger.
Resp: 3.09
